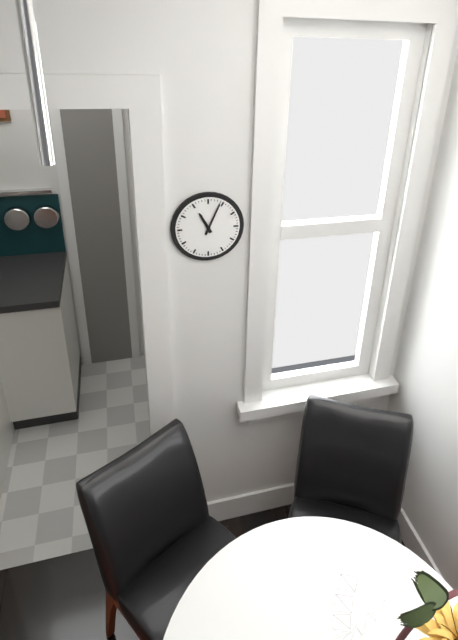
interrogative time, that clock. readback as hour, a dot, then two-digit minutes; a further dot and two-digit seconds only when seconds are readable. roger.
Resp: 11.04
